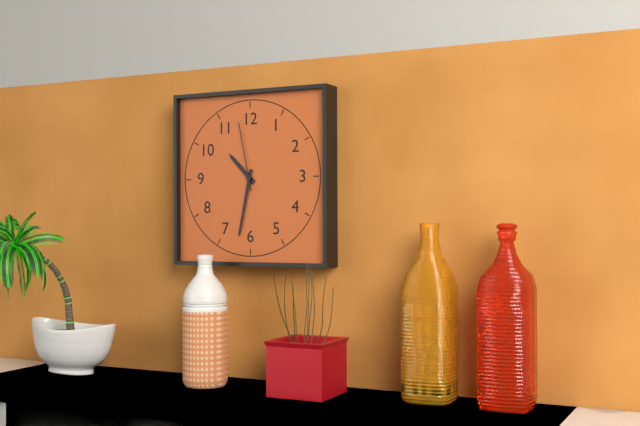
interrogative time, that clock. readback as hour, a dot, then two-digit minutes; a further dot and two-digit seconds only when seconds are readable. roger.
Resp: 10.32.58
